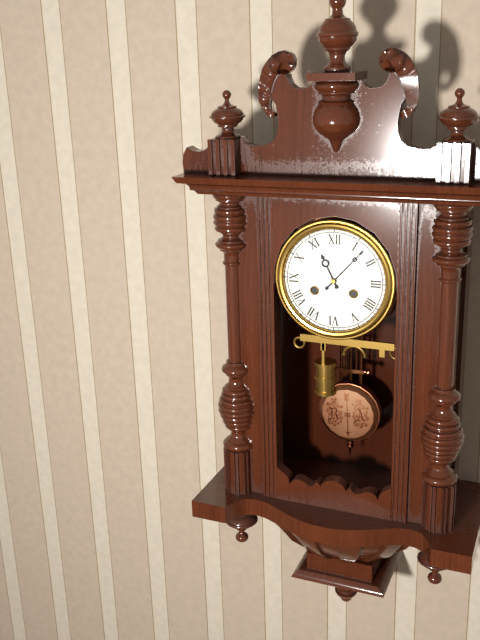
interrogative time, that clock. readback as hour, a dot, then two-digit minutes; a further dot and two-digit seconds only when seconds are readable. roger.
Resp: 11.07
